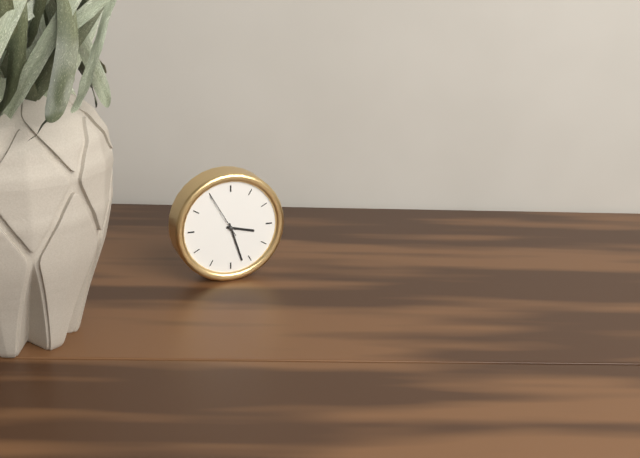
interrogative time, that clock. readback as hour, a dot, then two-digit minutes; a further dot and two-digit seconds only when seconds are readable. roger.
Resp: 3.27
